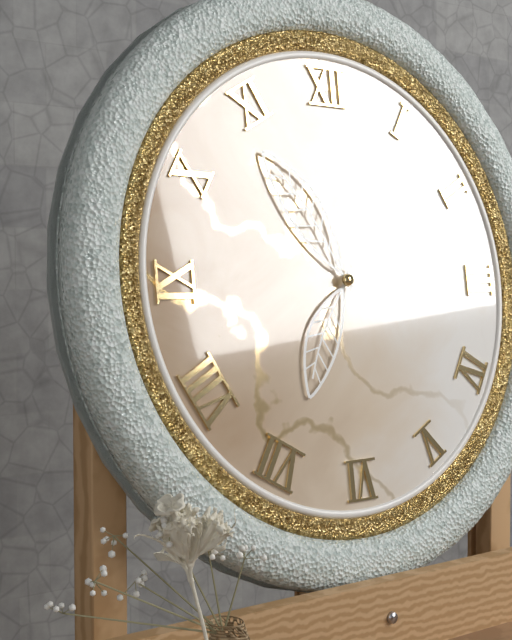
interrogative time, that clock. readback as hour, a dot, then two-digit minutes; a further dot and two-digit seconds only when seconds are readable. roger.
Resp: 6.54
